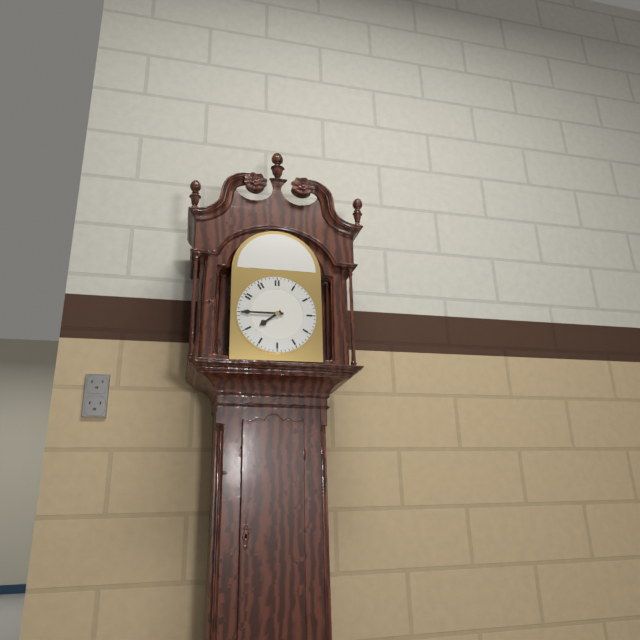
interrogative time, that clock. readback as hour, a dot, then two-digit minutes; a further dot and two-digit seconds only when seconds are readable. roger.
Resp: 7.45
